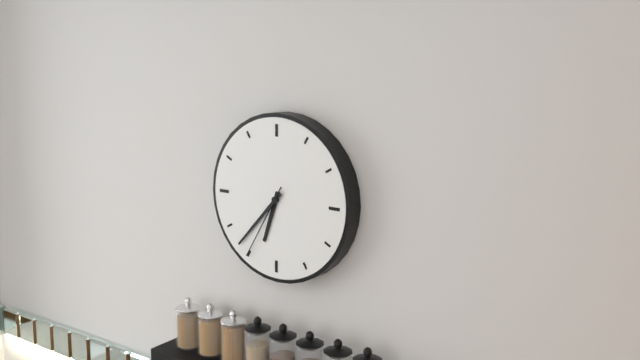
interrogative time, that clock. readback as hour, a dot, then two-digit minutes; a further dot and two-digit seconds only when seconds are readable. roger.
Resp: 6.37.35
